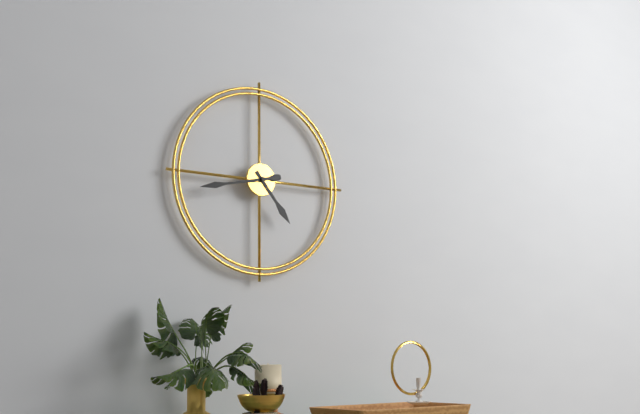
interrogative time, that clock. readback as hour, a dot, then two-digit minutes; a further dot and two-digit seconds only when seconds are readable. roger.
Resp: 4.43
